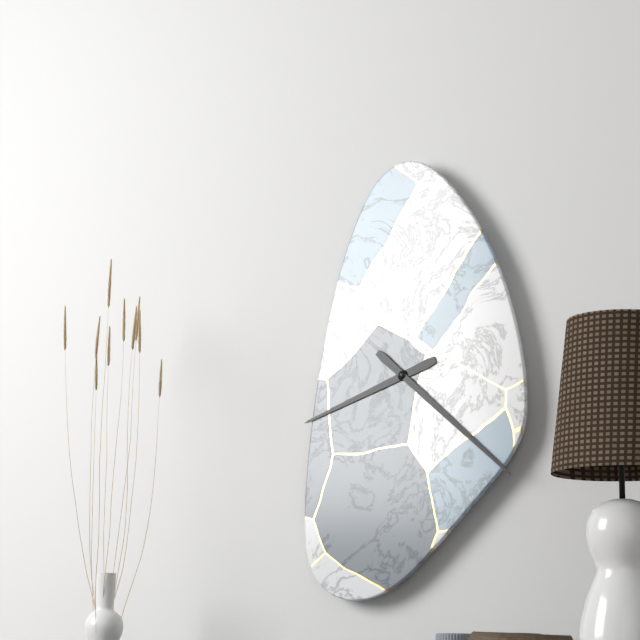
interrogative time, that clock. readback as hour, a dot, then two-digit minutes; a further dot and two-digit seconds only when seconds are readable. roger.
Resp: 8.22
